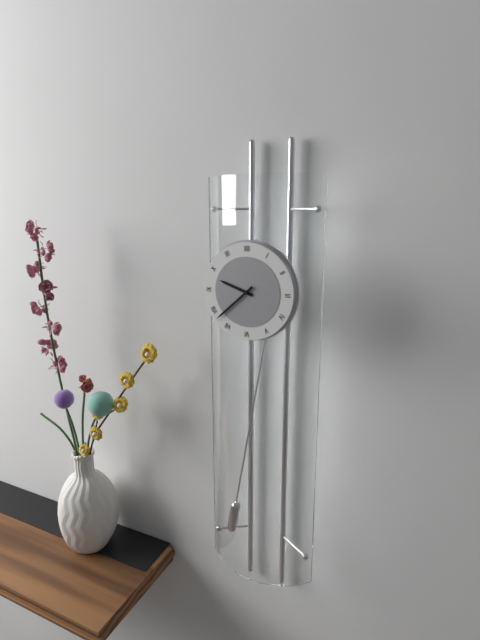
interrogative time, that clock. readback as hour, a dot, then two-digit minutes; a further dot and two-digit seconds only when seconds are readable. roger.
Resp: 9.38
